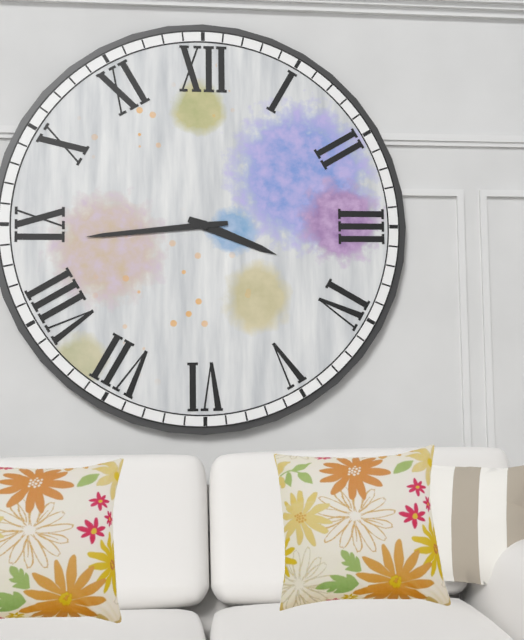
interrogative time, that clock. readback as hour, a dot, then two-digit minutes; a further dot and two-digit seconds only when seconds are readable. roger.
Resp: 3.44
